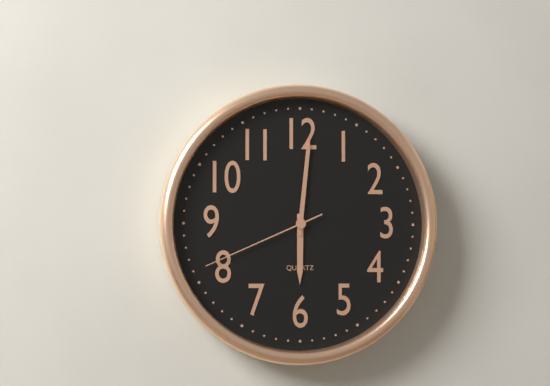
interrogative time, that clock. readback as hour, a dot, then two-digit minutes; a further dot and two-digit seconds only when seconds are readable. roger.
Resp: 6.01.41
